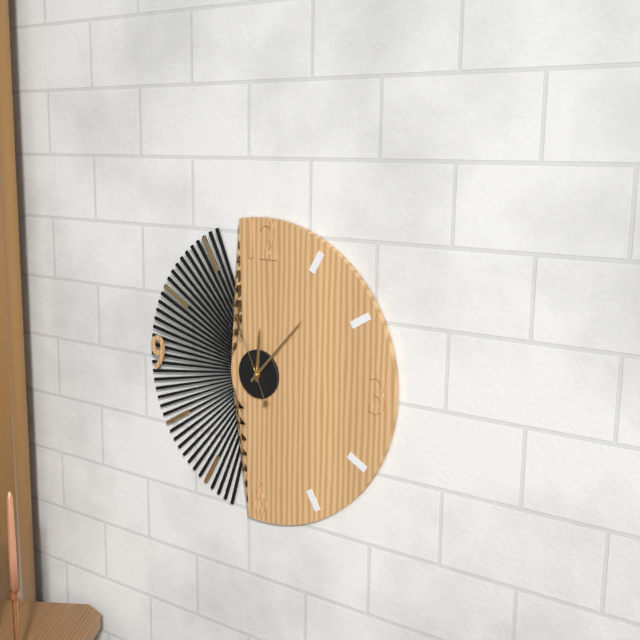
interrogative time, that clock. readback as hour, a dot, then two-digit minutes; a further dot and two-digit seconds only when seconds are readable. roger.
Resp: 12.07.56
